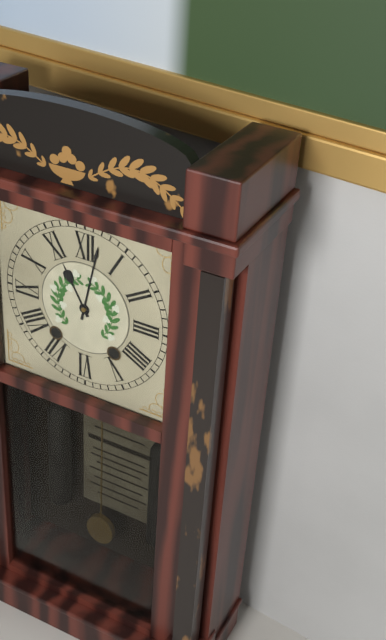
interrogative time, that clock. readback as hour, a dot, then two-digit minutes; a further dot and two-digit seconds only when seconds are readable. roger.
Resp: 11.02
